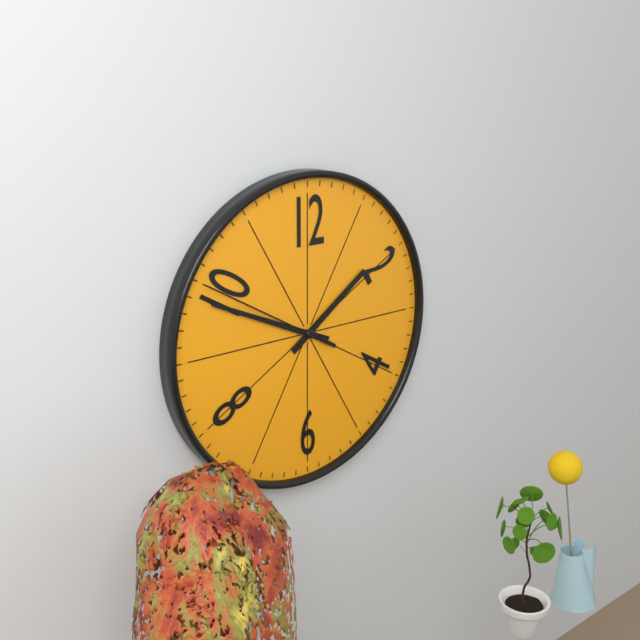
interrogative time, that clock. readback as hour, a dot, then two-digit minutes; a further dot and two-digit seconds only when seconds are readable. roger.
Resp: 1.49.50
